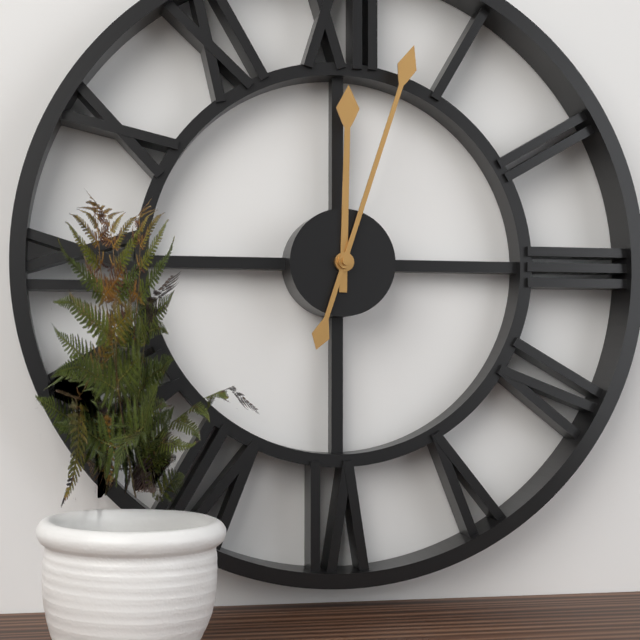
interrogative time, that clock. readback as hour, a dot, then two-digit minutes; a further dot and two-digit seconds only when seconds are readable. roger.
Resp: 12.03
